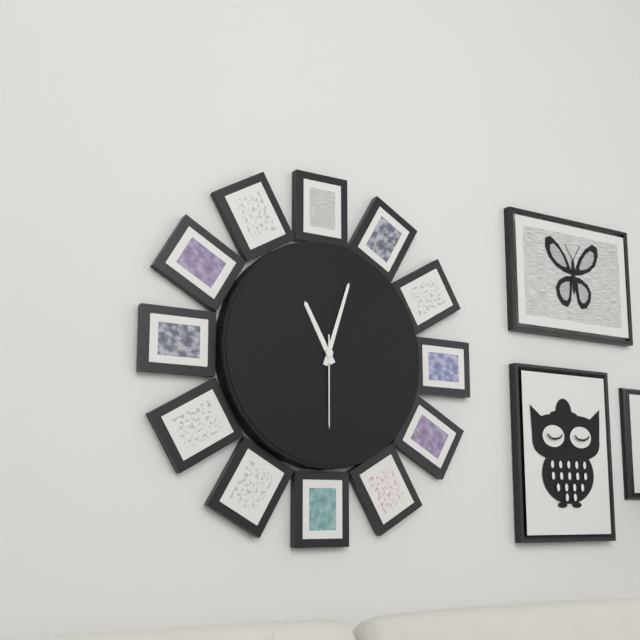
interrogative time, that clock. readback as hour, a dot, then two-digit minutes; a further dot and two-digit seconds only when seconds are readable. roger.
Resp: 11.03.30
